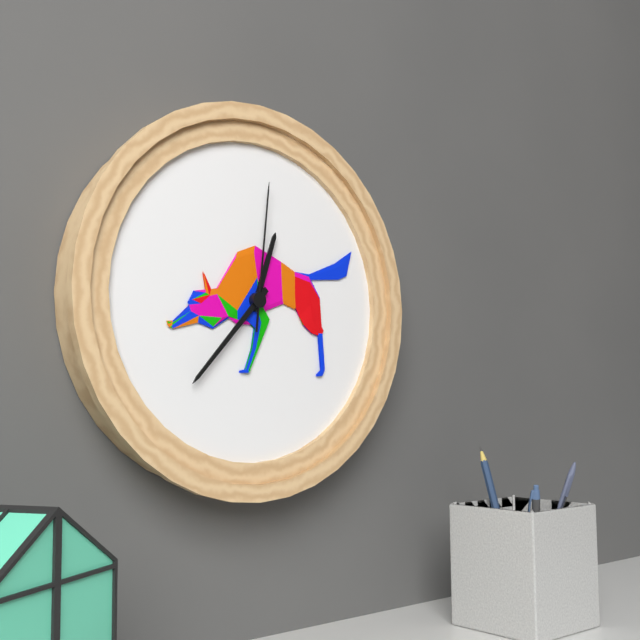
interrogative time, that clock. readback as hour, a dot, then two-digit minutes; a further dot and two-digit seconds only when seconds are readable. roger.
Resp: 12.37.01
